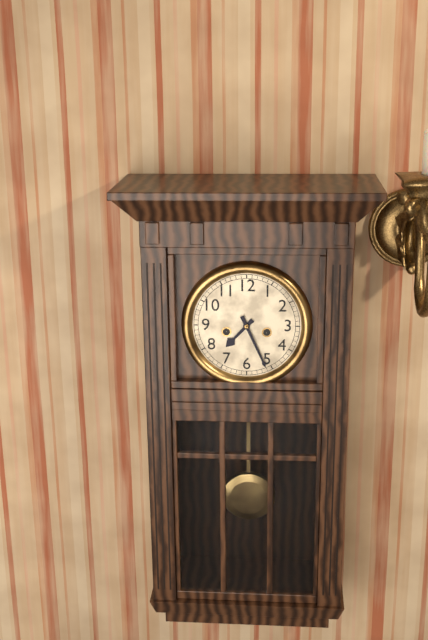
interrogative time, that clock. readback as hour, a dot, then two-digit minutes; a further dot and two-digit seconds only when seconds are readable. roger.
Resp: 7.26
